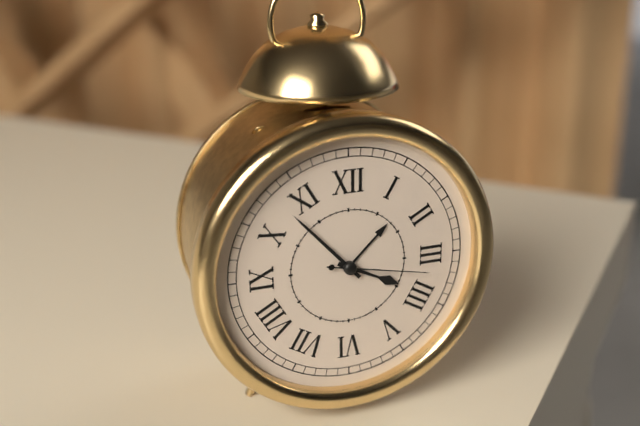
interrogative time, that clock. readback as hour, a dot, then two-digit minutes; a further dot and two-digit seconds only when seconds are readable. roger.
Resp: 3.53.17
